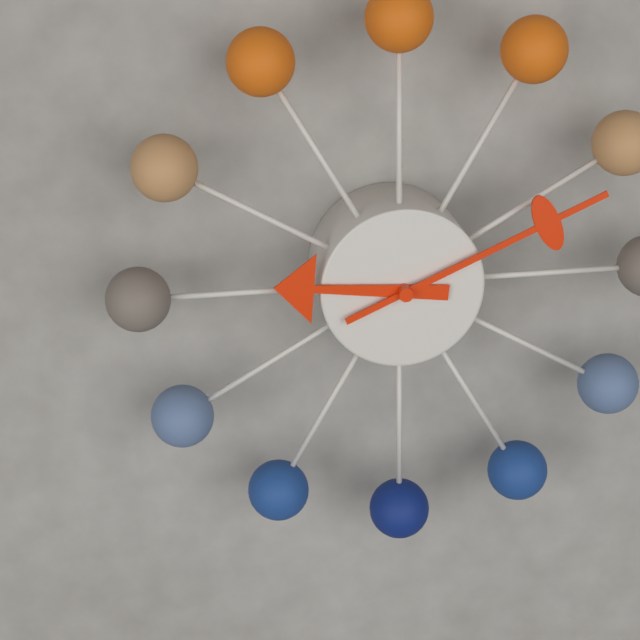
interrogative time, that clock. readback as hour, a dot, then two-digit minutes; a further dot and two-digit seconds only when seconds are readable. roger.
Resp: 9.11
